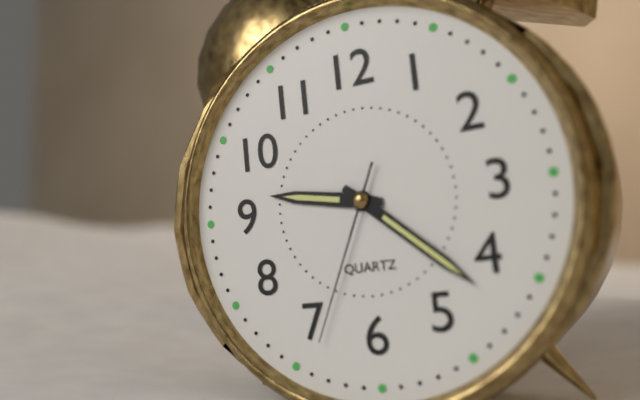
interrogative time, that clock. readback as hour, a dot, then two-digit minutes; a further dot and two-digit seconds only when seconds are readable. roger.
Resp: 9.22.34
